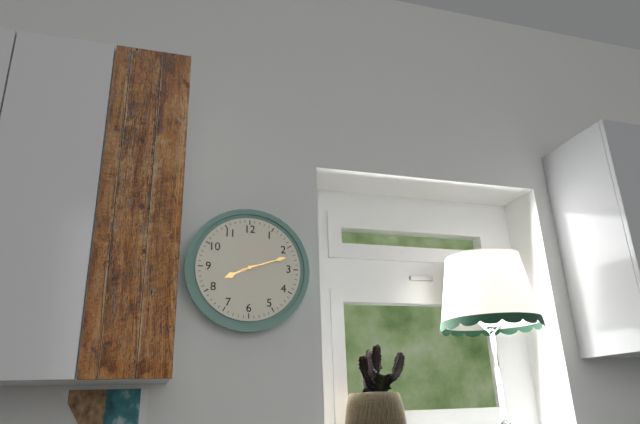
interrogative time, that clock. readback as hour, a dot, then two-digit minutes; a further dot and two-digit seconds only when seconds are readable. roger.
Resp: 8.12
